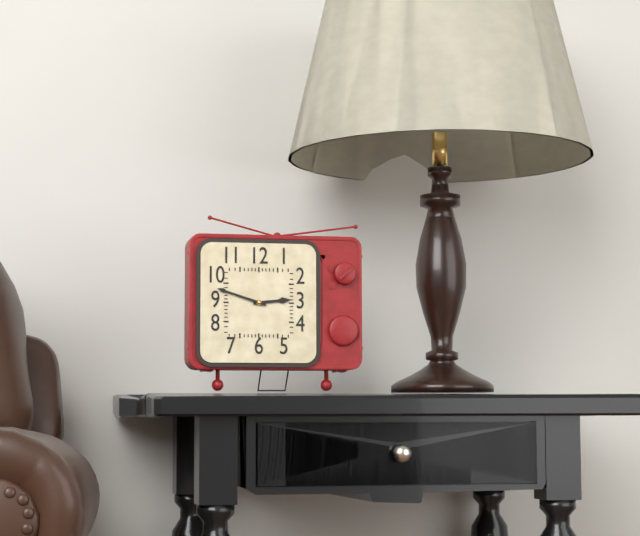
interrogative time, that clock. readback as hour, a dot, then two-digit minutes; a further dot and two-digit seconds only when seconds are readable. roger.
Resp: 2.48
